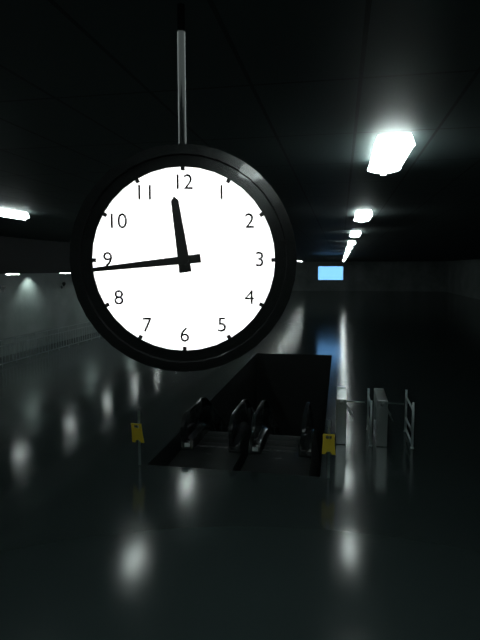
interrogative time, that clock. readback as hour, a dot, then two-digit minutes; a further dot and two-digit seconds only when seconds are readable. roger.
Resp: 11.44
